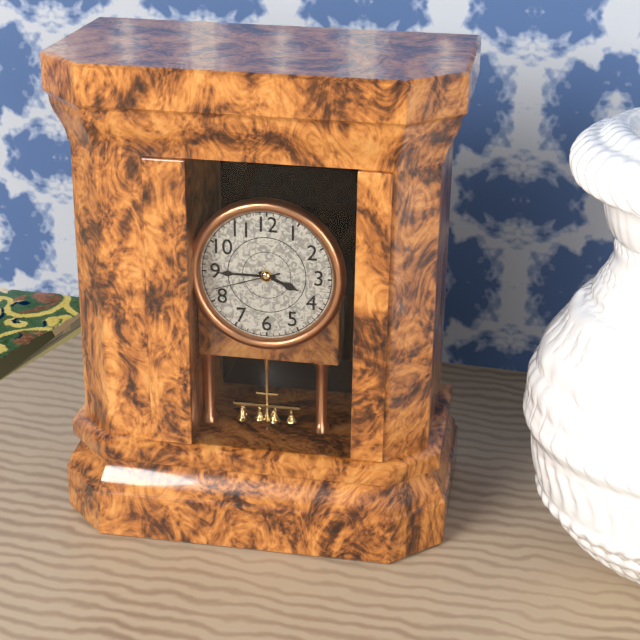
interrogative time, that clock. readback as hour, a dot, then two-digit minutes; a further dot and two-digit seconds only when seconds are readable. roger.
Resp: 3.45.42
